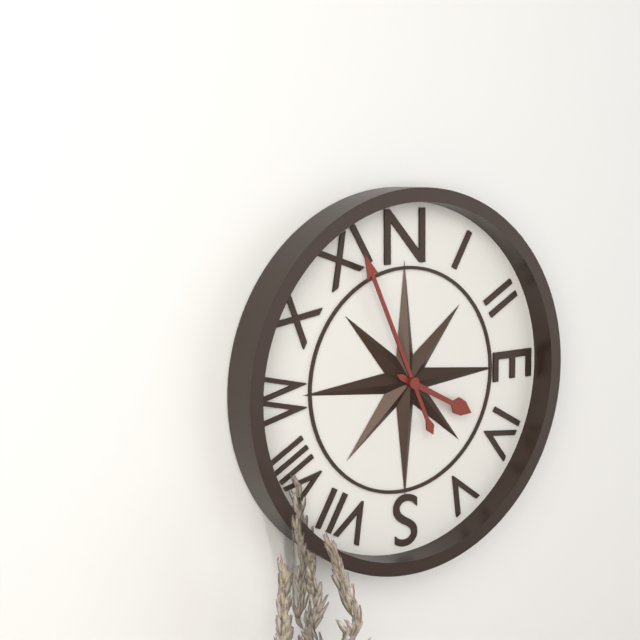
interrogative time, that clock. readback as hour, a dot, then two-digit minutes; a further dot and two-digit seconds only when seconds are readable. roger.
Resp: 3.56
